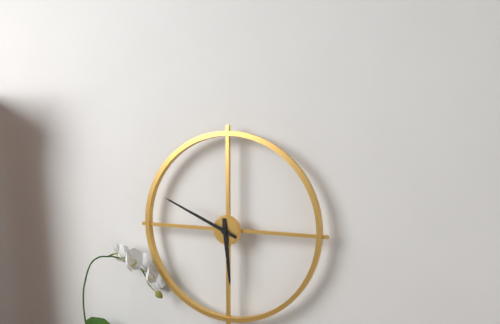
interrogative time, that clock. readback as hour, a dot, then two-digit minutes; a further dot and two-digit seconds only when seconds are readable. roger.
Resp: 5.49
